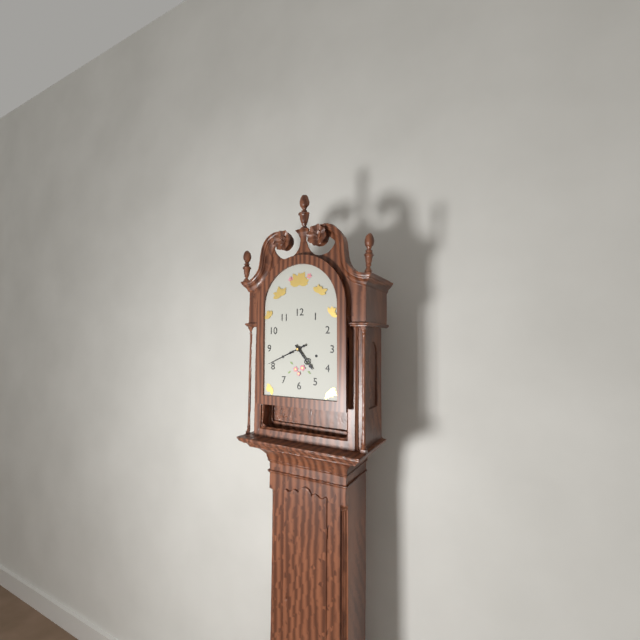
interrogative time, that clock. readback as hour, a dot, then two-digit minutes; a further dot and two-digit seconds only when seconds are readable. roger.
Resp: 4.41
